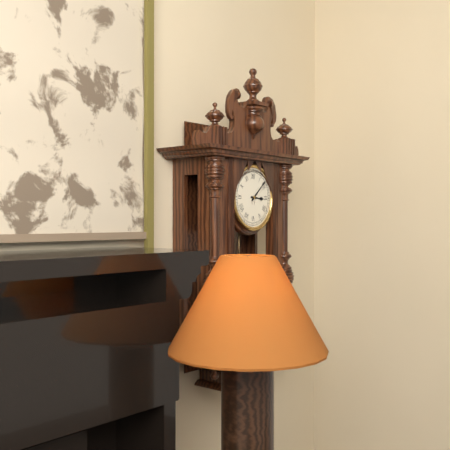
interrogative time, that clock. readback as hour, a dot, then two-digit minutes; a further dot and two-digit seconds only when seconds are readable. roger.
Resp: 3.08
